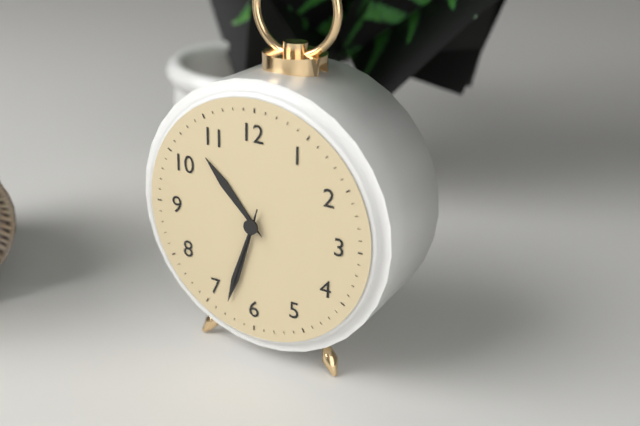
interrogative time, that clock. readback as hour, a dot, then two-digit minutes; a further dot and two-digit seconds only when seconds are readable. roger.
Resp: 10.33.33
